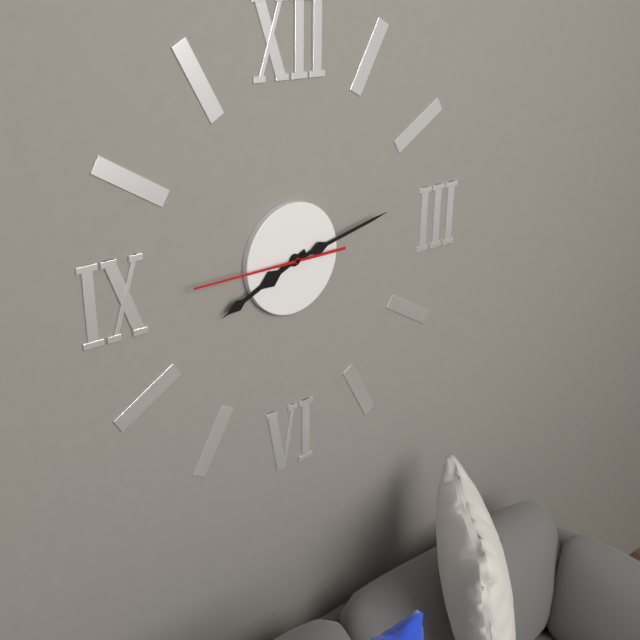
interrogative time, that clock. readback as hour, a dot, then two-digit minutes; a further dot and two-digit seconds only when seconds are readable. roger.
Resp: 8.13.45
